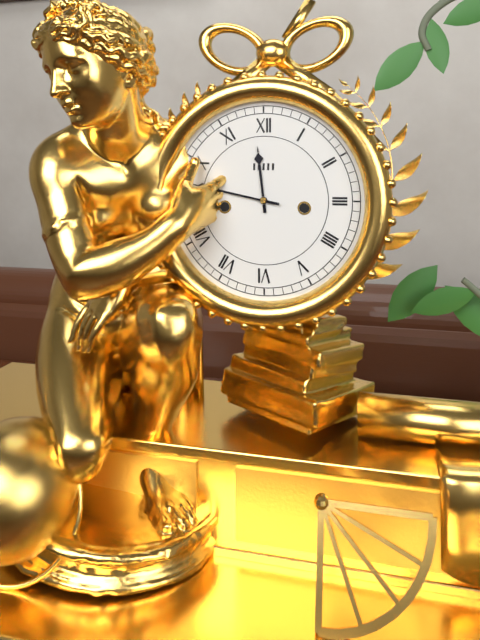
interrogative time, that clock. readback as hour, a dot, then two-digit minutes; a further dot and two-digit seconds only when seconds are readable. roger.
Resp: 11.47
